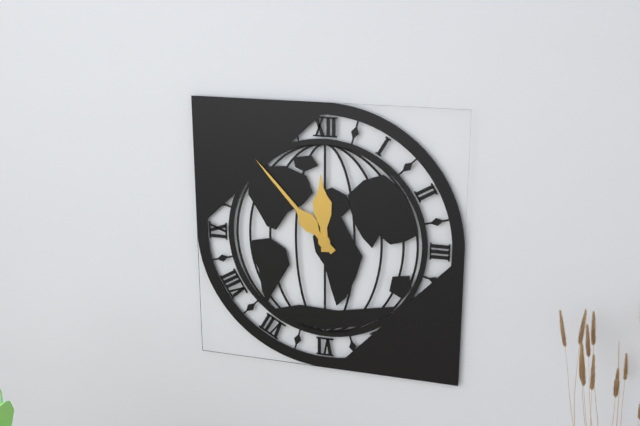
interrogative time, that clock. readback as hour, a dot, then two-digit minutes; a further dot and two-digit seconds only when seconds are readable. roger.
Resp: 11.53
